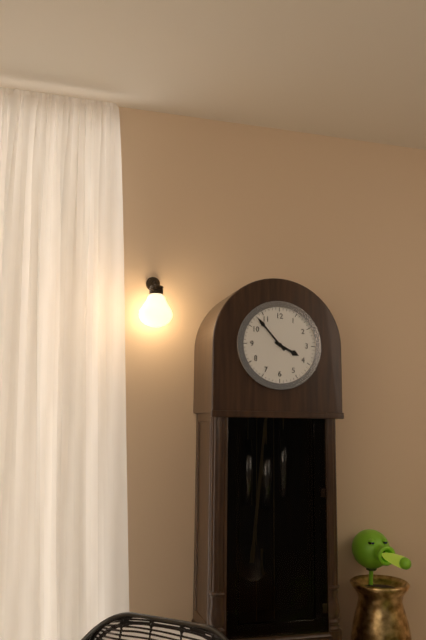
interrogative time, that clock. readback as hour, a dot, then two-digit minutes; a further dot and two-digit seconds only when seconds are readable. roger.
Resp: 3.53
